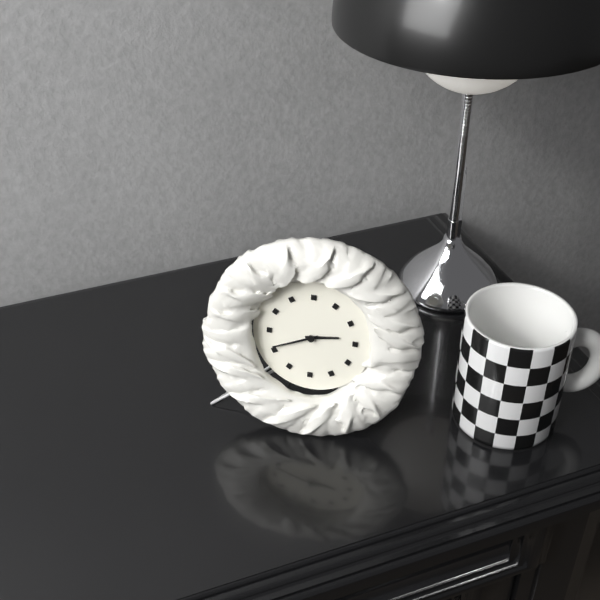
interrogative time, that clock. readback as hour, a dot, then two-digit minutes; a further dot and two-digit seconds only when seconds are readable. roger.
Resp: 2.41
